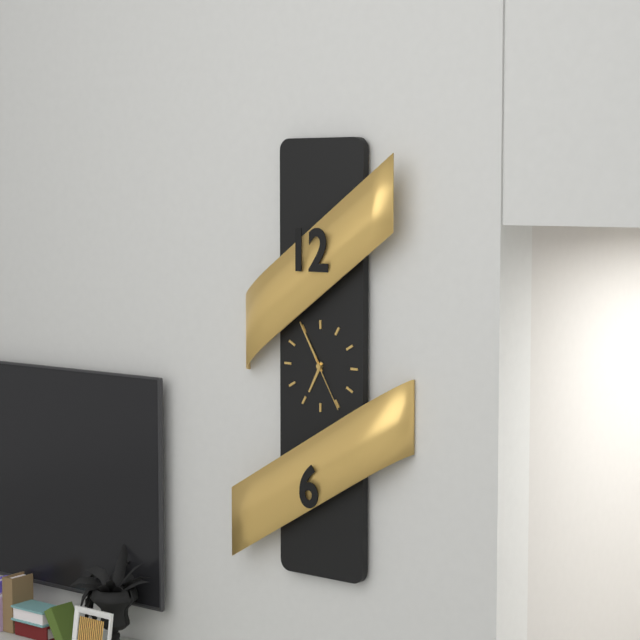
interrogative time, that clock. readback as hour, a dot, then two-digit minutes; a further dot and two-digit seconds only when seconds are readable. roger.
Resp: 6.55.25
